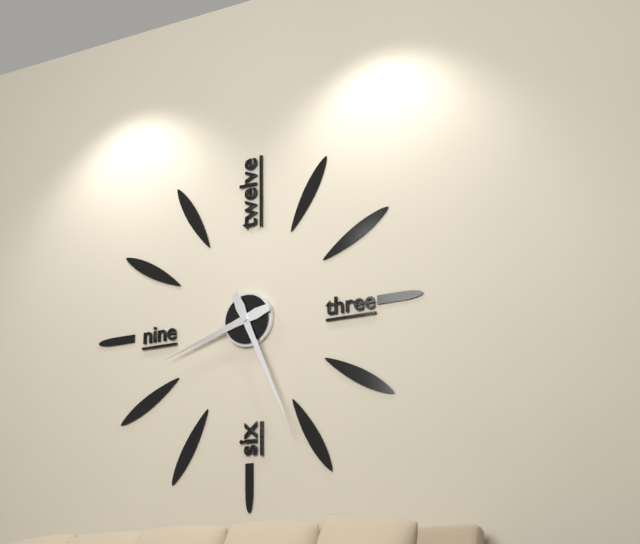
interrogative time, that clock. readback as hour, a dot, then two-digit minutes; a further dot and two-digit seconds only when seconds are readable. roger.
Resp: 8.26
